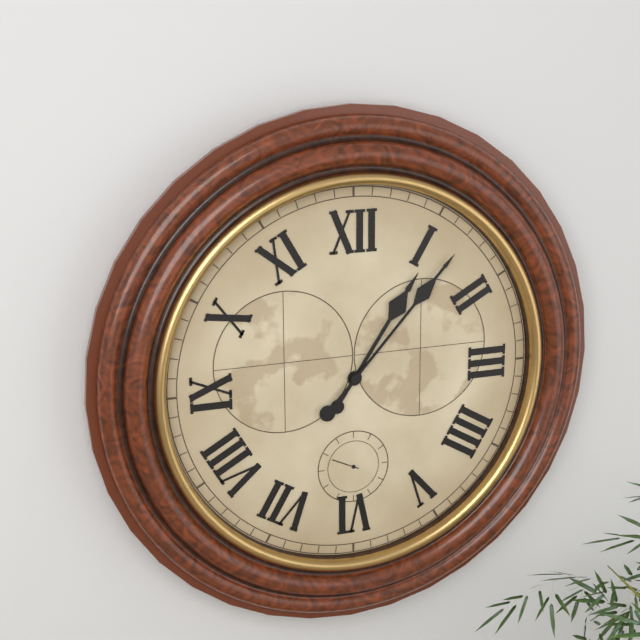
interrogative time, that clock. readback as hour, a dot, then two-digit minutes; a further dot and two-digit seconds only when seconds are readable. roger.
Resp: 1.07
